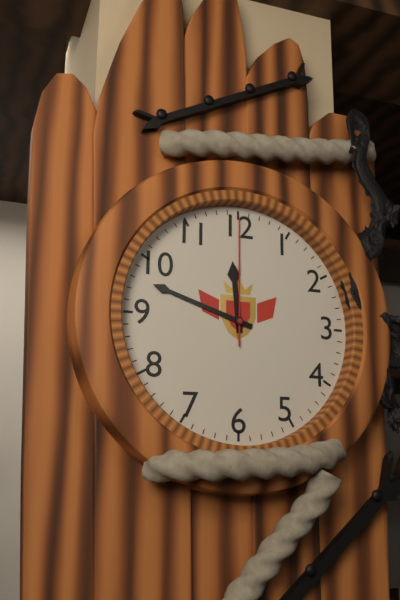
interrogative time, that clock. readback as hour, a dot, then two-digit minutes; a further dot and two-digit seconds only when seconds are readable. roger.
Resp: 11.48.00
